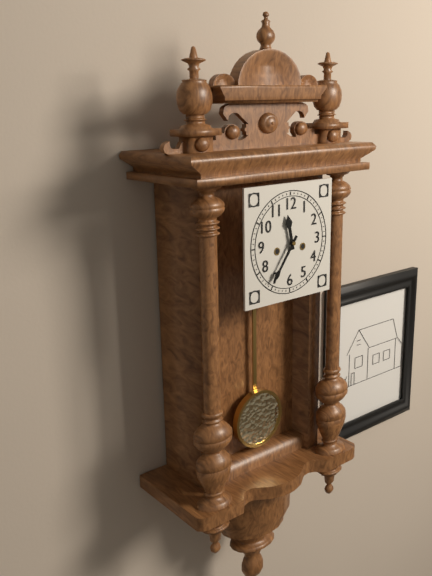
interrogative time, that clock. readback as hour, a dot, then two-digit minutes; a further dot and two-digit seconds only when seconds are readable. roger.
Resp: 11.36
